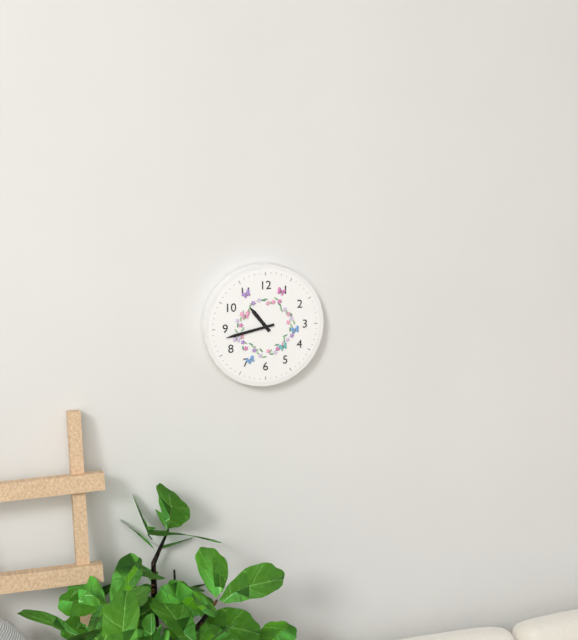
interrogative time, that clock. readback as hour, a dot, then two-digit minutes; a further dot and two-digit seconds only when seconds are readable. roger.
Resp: 10.43
